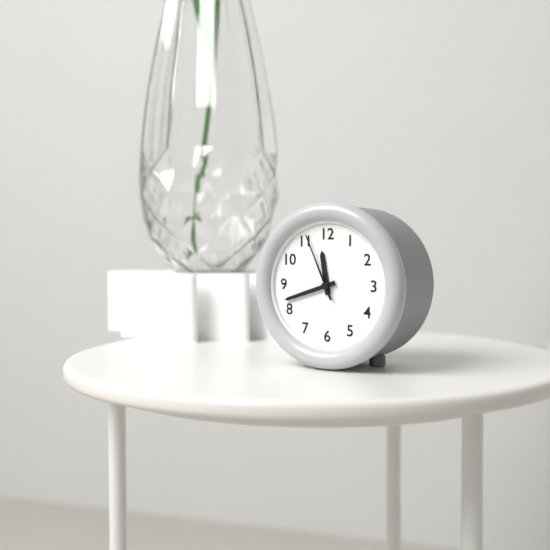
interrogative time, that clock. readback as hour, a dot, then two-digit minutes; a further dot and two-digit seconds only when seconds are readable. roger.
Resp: 11.42.56
